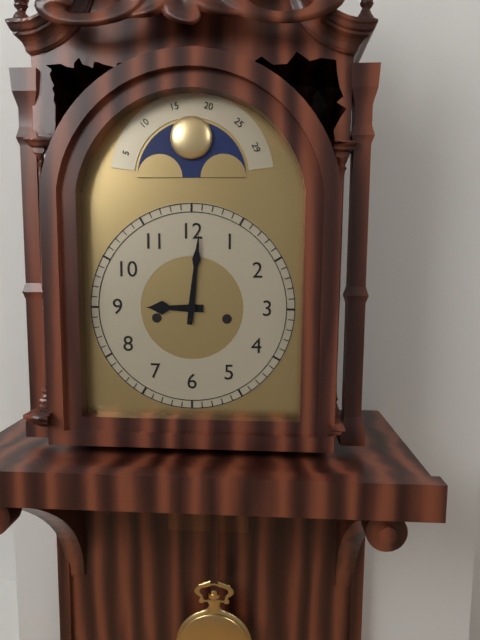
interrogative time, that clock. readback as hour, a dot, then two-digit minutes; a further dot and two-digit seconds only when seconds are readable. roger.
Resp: 9.01
